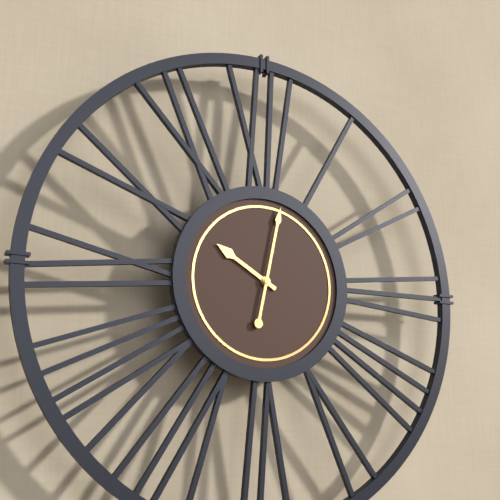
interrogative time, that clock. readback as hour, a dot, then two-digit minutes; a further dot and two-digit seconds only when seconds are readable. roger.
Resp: 10.02
